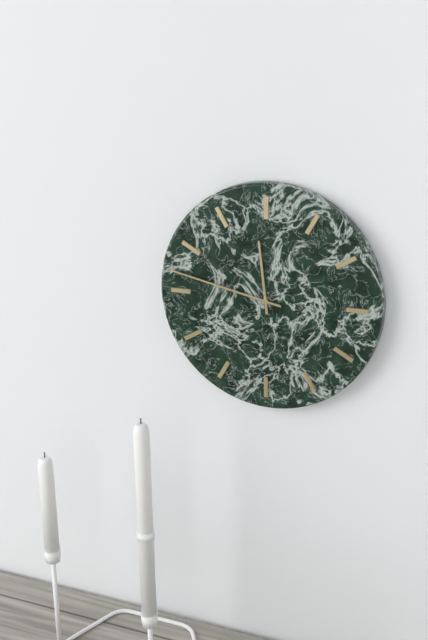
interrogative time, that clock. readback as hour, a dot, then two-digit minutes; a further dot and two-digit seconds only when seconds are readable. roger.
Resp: 11.47
